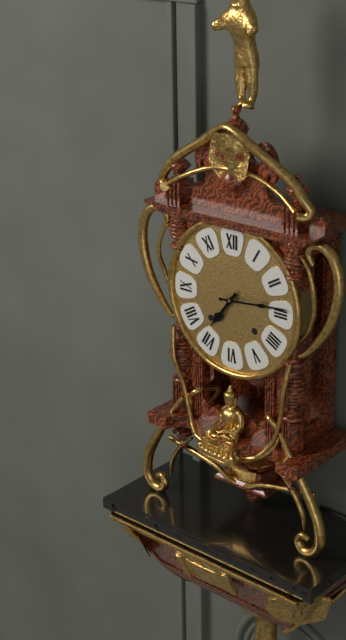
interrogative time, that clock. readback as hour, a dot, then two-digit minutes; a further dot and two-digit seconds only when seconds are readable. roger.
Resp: 7.14
